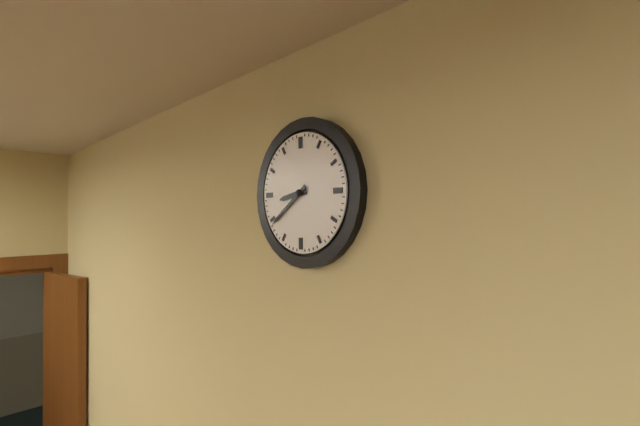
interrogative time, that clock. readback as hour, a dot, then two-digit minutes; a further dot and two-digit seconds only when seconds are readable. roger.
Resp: 8.39
